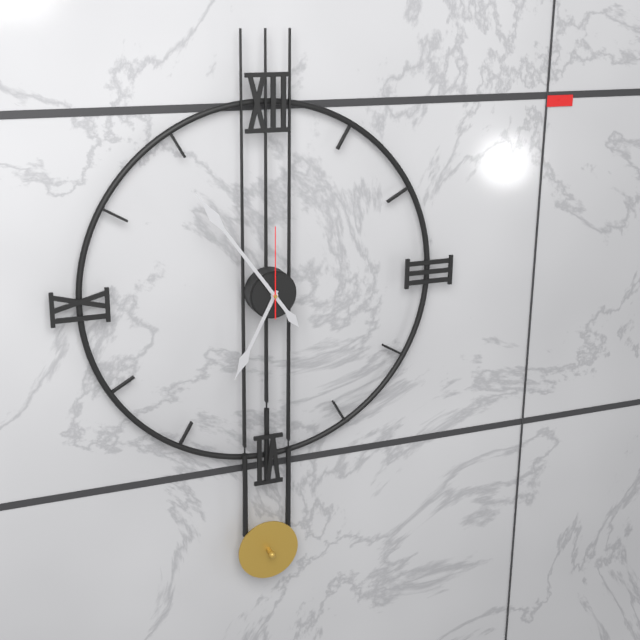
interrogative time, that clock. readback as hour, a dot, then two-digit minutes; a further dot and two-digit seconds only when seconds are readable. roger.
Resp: 6.54.00
